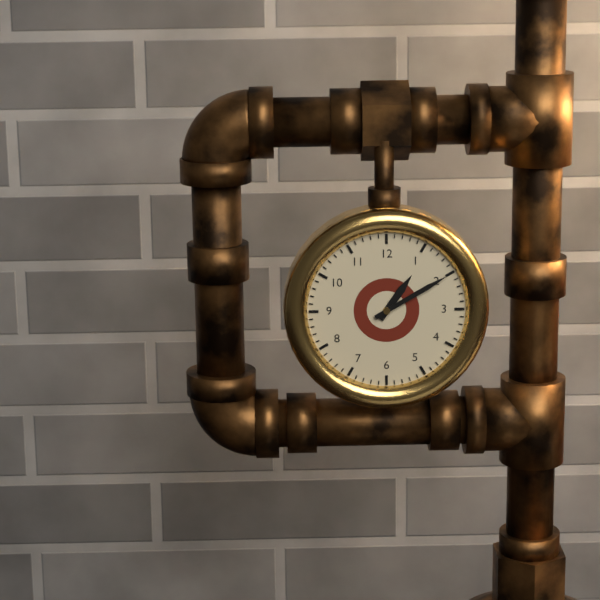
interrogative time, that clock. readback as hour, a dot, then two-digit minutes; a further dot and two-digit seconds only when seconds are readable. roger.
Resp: 1.10
